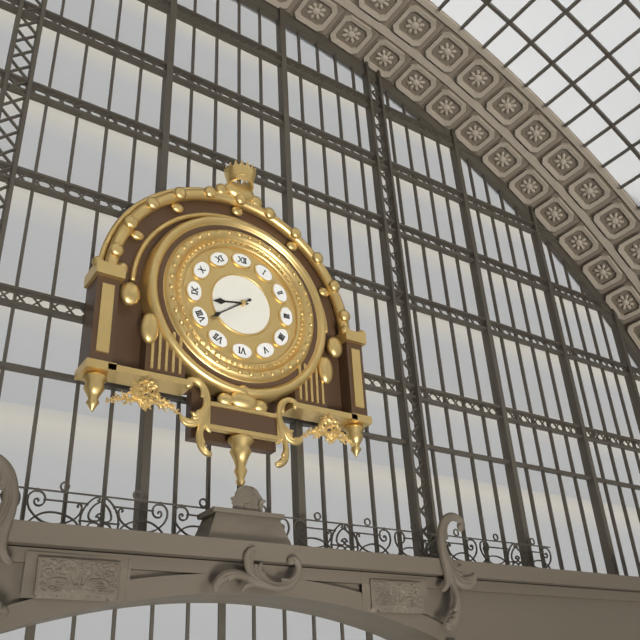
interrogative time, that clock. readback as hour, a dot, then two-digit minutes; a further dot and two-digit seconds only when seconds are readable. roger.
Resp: 8.39
